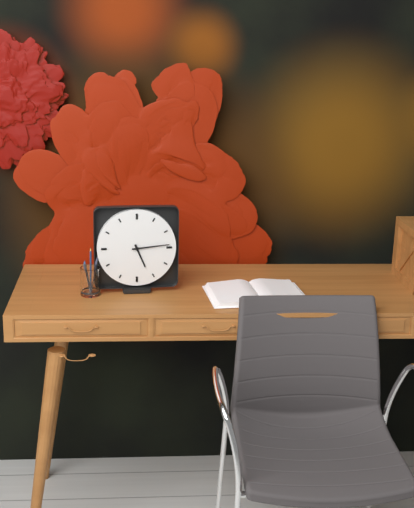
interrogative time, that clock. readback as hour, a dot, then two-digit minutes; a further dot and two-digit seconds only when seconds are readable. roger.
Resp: 5.14
